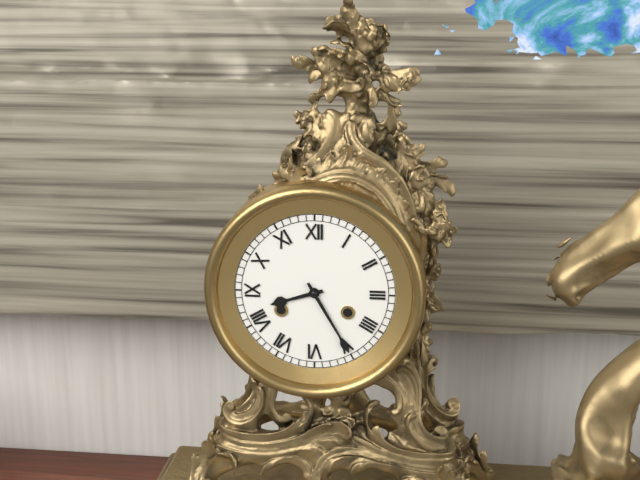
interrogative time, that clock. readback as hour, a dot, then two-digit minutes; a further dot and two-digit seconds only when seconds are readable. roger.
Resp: 8.25
